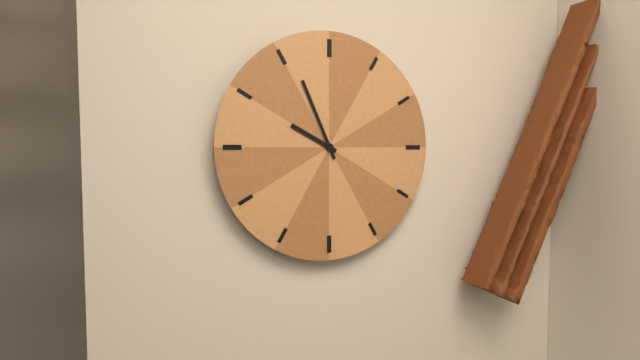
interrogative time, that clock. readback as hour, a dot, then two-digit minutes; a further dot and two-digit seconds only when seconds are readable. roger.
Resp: 9.56
